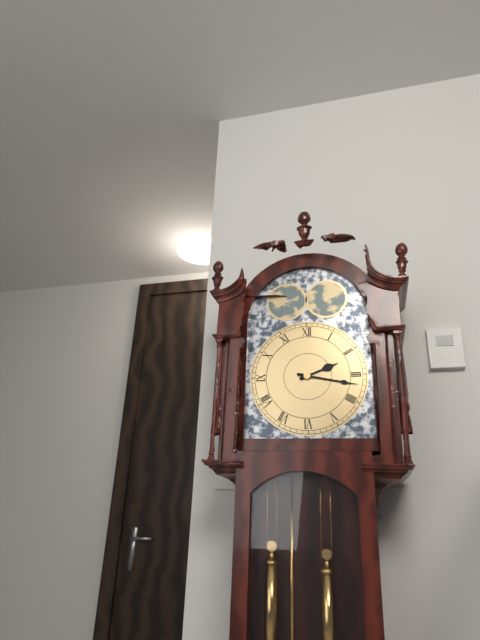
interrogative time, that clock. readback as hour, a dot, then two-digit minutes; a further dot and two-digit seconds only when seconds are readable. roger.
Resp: 2.17
